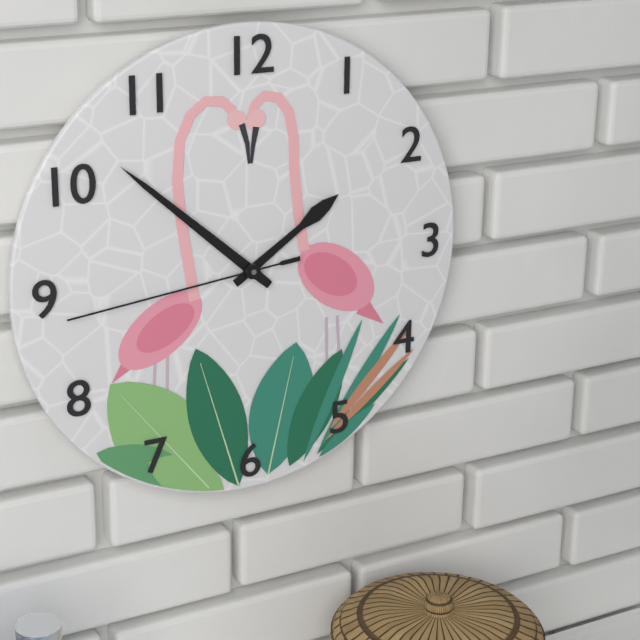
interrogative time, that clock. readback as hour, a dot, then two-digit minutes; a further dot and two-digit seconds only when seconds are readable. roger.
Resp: 1.52.44
